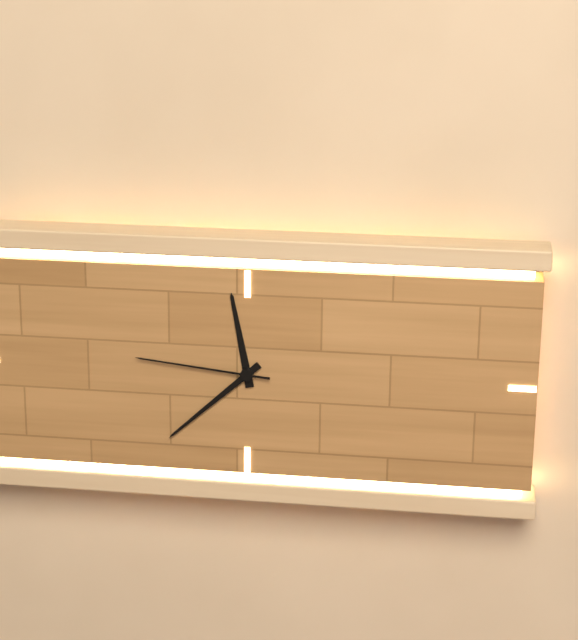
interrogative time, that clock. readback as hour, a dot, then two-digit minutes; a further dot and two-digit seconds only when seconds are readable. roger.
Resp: 11.38.46
